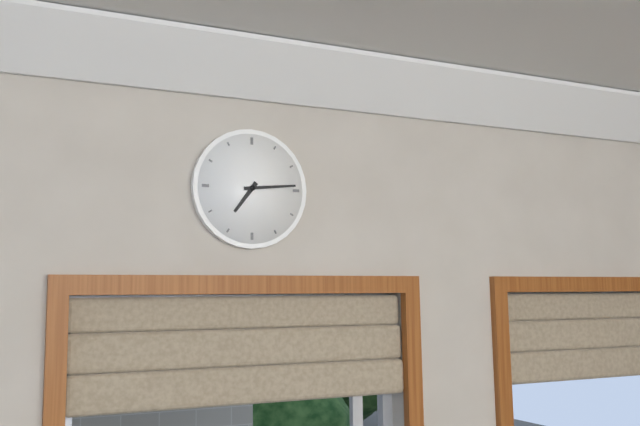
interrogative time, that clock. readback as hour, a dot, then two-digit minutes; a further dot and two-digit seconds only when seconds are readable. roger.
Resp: 7.14
